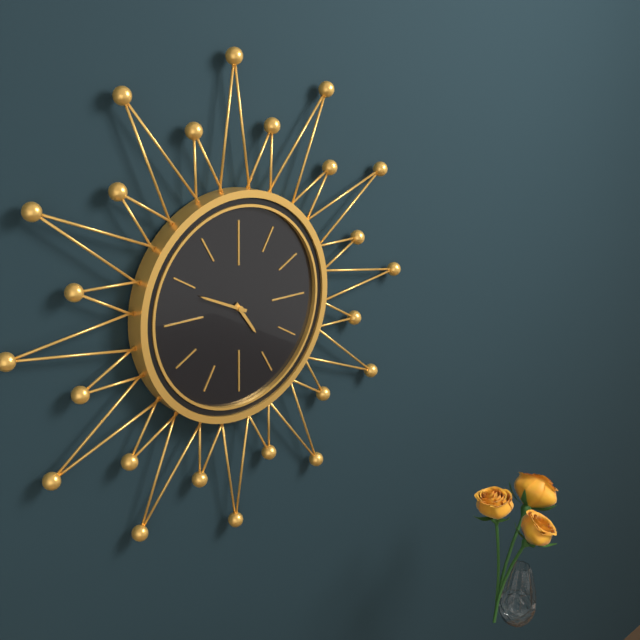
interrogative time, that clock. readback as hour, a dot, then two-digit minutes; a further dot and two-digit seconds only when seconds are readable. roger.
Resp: 4.49
